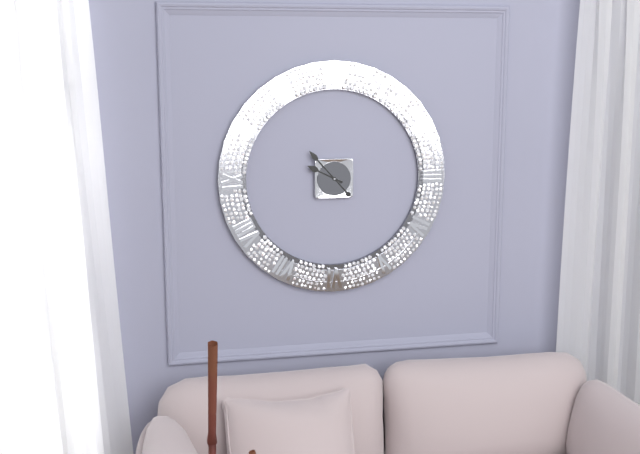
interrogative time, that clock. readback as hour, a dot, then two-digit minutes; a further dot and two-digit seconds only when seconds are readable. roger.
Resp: 9.53
